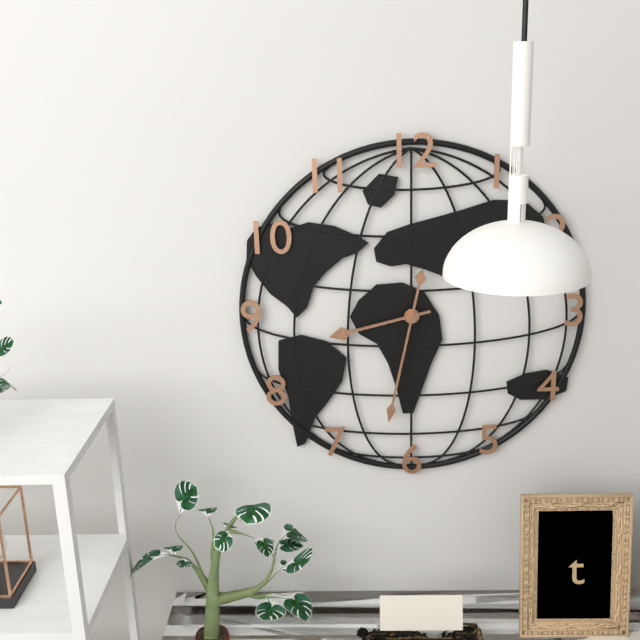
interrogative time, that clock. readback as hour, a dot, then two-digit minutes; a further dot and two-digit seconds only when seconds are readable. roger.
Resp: 8.32
